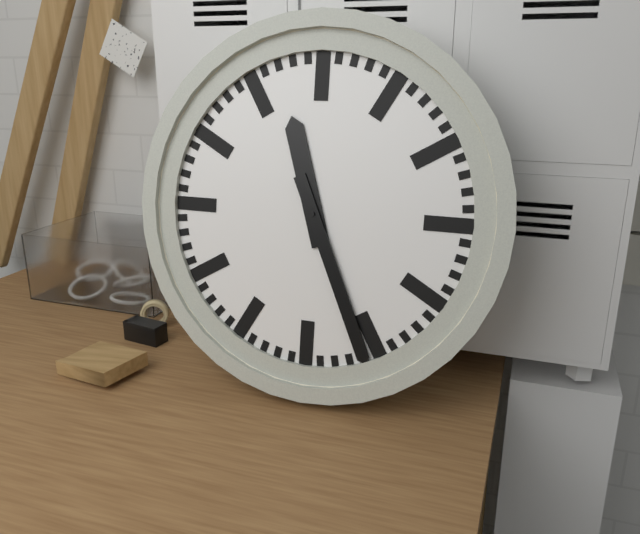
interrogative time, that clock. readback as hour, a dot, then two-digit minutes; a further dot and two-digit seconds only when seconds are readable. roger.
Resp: 11.26
